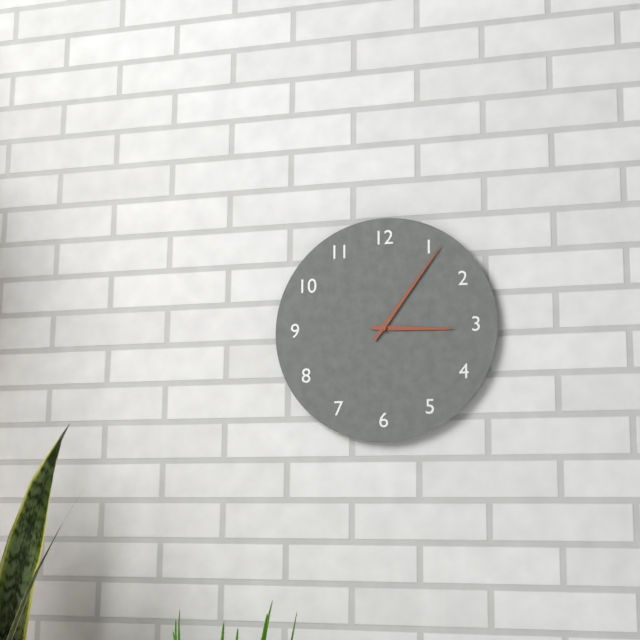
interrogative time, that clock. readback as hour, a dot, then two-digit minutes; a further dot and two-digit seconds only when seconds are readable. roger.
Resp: 3.06
